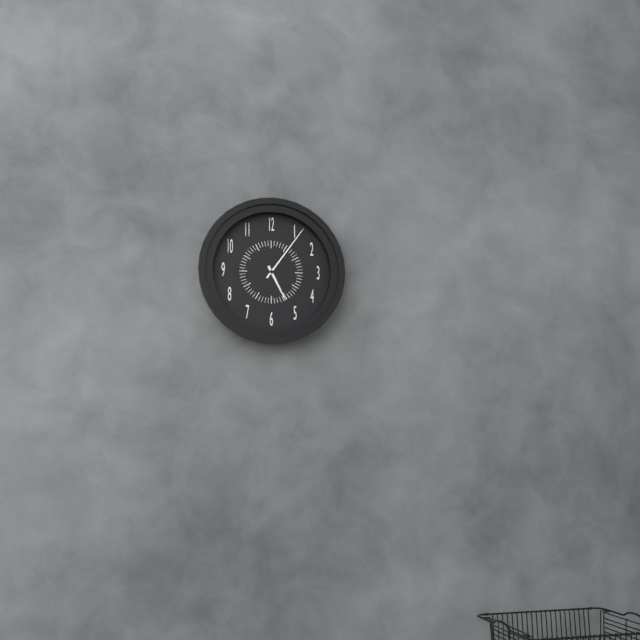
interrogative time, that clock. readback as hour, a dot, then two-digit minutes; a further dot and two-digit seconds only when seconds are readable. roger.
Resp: 5.06
